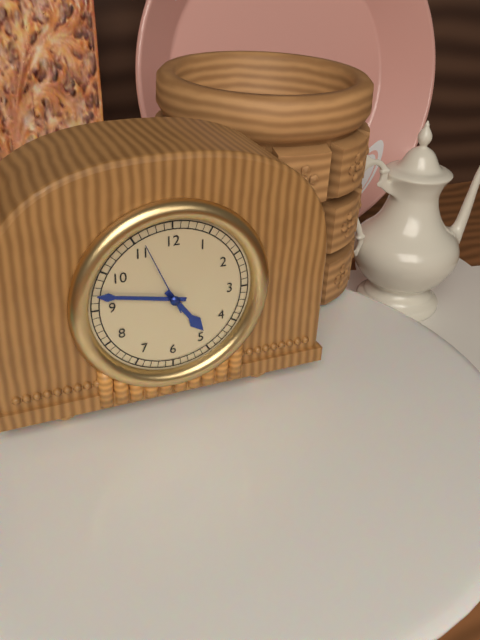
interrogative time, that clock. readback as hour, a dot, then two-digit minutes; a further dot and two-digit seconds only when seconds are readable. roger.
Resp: 4.47.56
